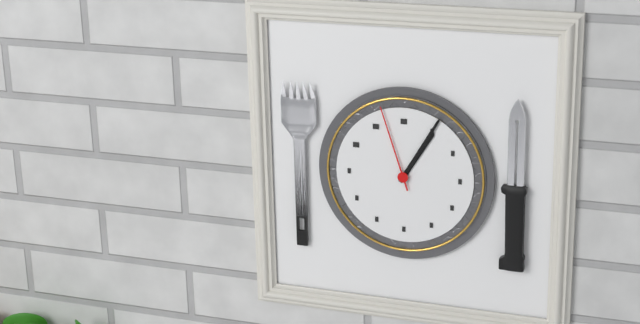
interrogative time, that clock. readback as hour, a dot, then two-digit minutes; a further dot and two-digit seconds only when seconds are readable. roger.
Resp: 1.05.57
